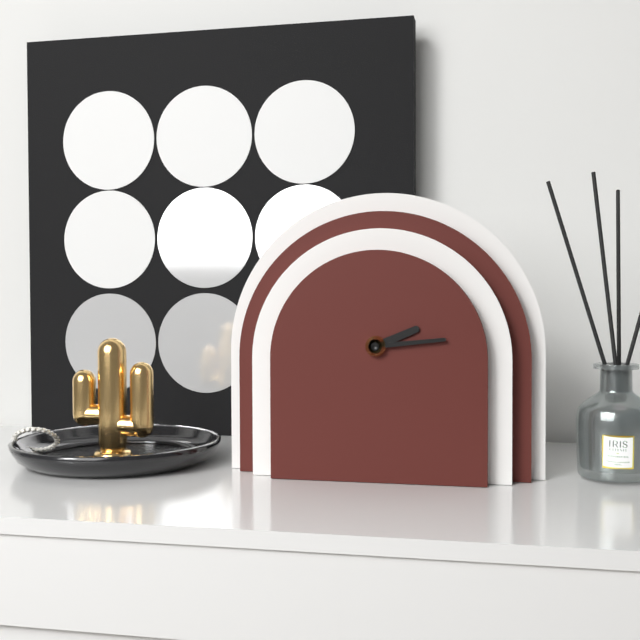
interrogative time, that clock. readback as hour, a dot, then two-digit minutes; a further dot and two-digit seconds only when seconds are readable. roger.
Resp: 2.14
